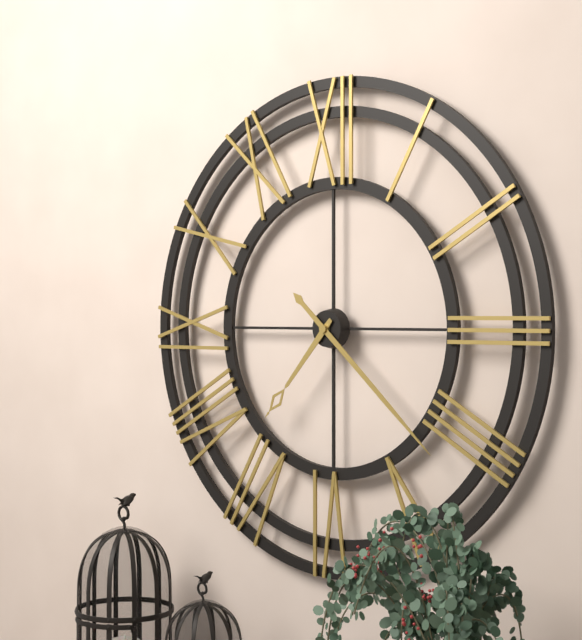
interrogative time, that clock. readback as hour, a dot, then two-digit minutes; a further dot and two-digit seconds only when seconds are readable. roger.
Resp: 7.22
